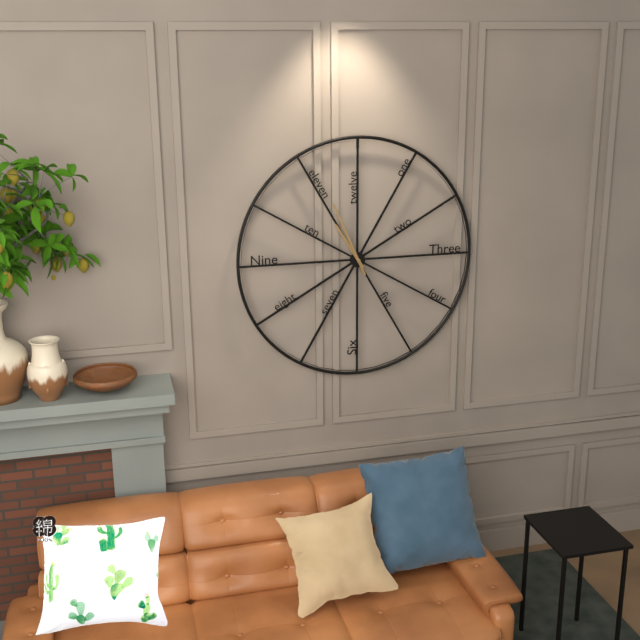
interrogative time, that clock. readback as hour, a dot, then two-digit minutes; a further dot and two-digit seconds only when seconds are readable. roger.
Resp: 10.56
